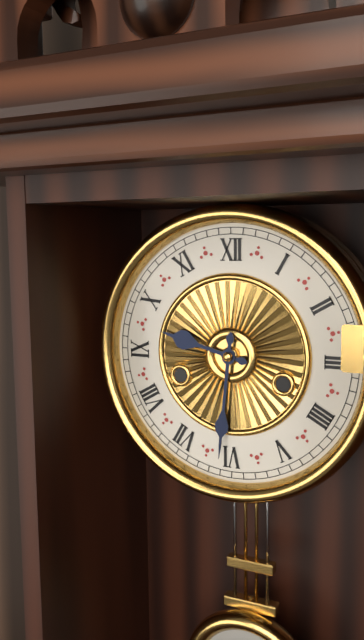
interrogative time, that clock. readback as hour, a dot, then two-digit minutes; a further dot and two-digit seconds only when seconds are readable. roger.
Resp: 9.31
